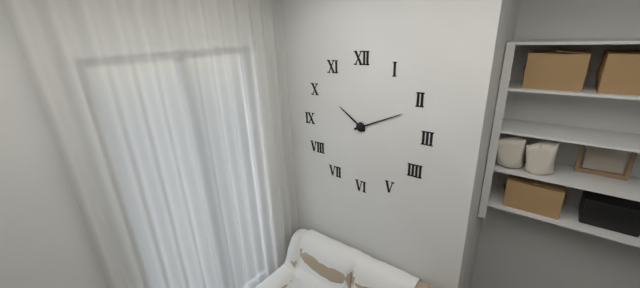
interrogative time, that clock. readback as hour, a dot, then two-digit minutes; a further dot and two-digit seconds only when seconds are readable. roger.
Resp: 10.11
